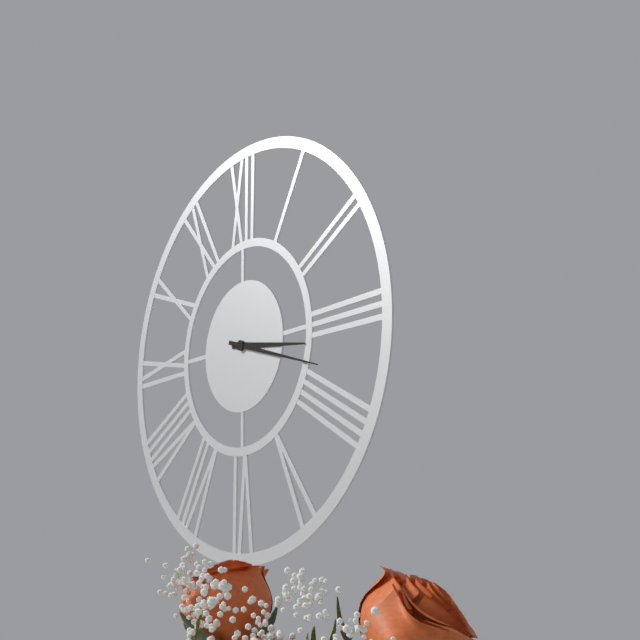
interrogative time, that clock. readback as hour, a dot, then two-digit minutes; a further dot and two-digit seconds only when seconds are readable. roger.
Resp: 3.18
